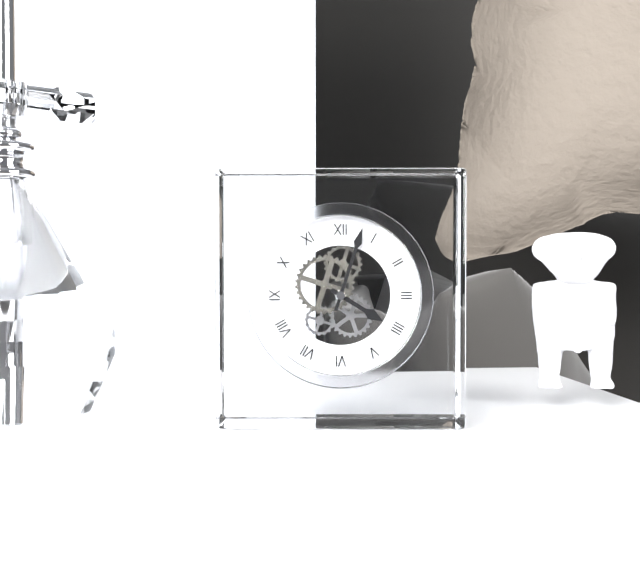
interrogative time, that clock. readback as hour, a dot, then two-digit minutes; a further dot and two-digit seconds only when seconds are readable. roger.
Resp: 4.03
